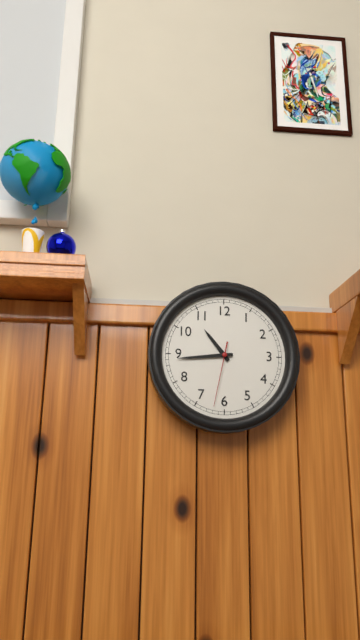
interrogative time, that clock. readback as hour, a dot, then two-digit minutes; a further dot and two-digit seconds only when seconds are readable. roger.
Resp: 10.44.32
